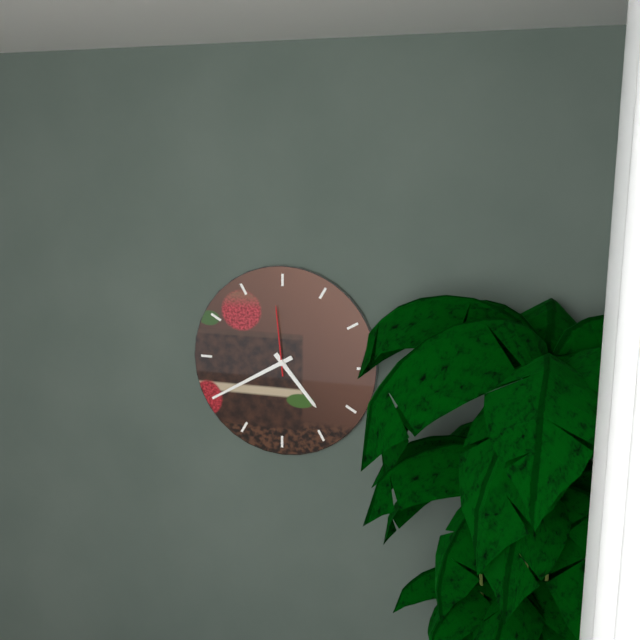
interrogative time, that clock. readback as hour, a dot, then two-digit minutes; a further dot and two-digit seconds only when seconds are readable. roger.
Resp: 4.40.59
